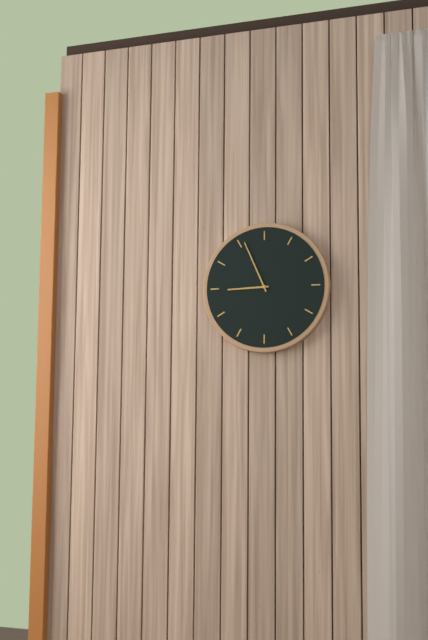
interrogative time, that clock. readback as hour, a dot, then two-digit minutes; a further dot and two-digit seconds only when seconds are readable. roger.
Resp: 8.56
